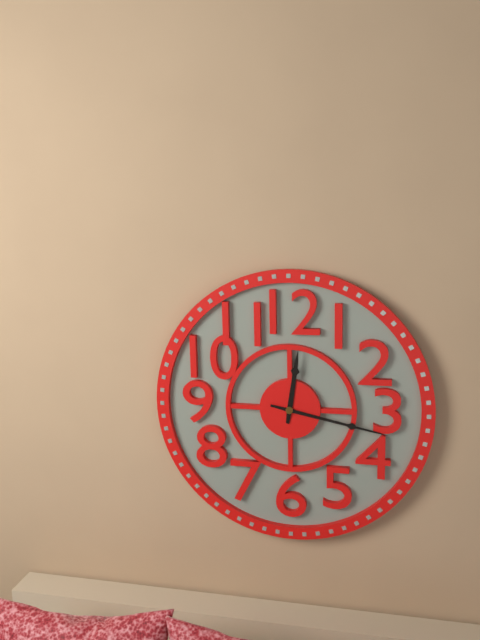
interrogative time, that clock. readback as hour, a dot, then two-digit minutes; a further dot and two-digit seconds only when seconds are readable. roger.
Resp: 12.17
